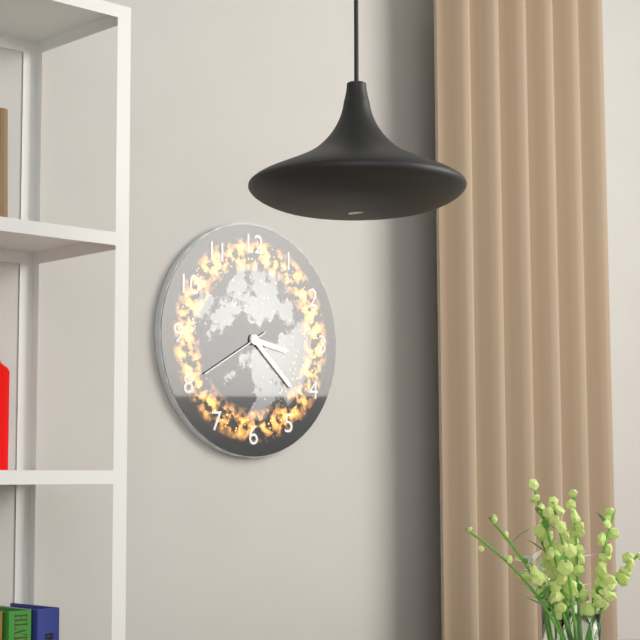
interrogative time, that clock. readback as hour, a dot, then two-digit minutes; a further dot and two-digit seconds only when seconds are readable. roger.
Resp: 3.22.40
